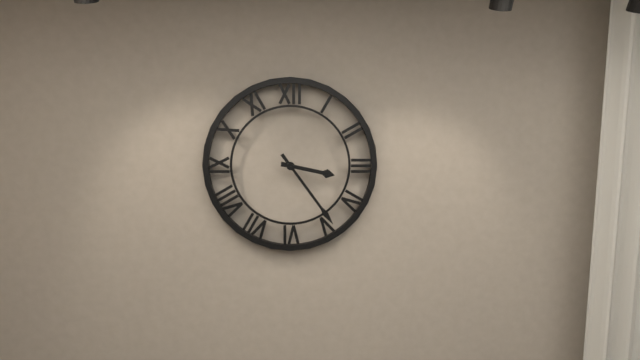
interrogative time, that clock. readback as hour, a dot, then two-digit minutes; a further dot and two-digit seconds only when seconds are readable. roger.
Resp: 3.24
